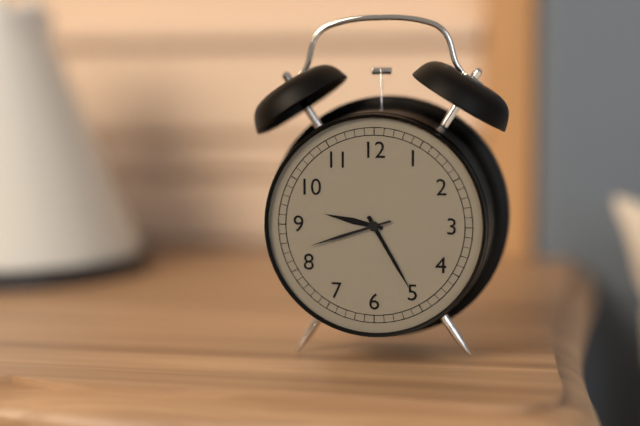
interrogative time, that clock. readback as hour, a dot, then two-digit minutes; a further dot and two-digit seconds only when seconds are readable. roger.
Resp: 9.25.42
